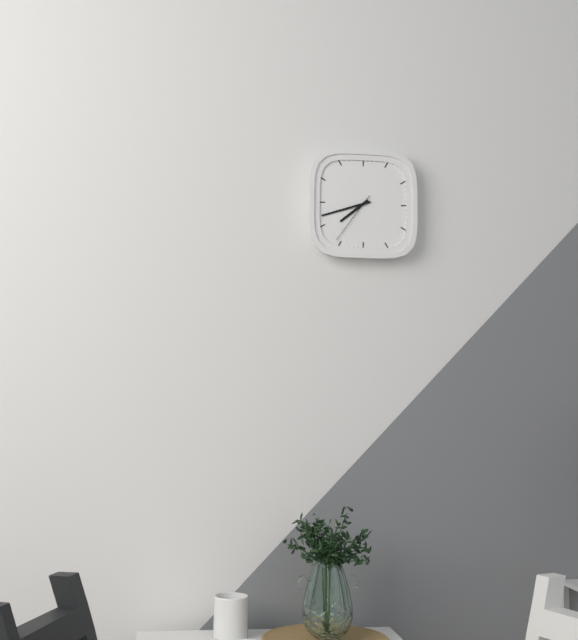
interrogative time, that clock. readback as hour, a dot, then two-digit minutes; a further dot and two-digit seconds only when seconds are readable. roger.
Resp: 7.42.36
